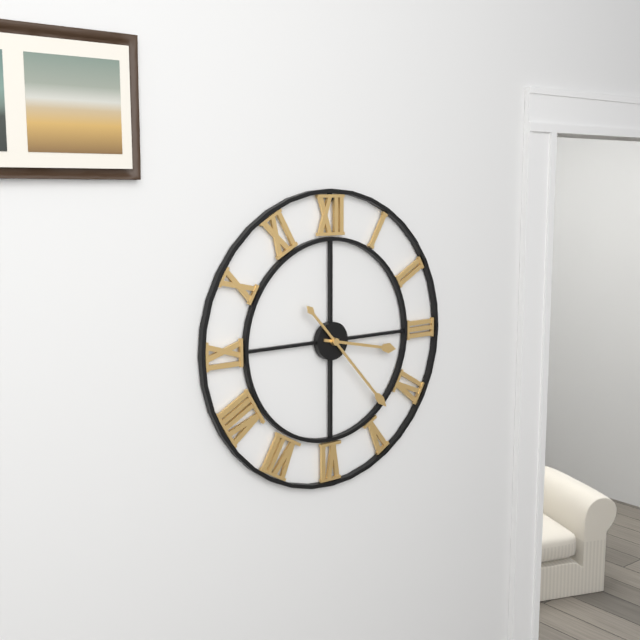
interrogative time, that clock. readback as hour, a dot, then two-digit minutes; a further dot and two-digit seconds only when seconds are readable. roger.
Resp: 3.23
